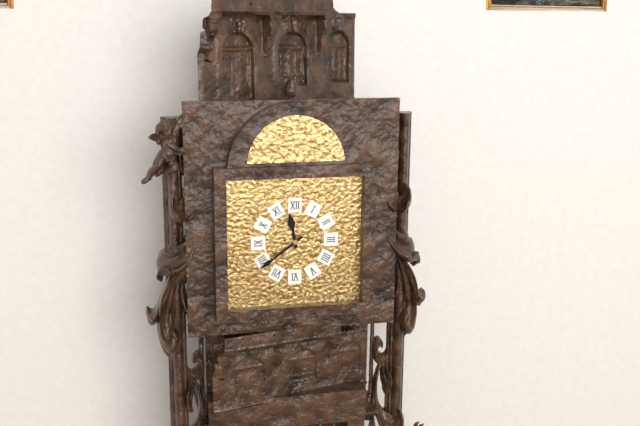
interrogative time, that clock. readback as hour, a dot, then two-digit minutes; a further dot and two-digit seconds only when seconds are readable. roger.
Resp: 11.39
